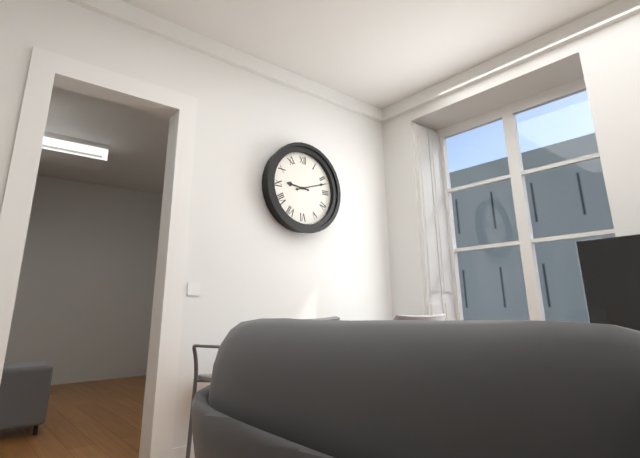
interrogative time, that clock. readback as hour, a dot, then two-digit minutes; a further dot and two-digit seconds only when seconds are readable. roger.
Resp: 9.12
